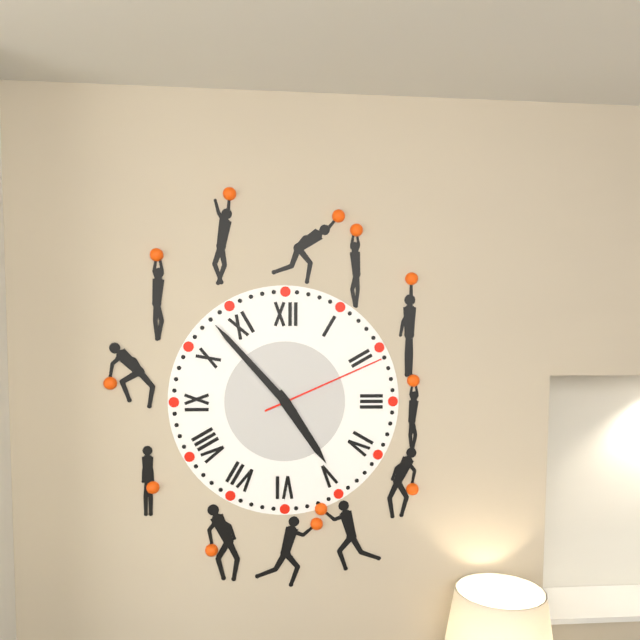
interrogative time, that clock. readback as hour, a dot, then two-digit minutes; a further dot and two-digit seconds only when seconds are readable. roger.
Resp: 4.53.11
